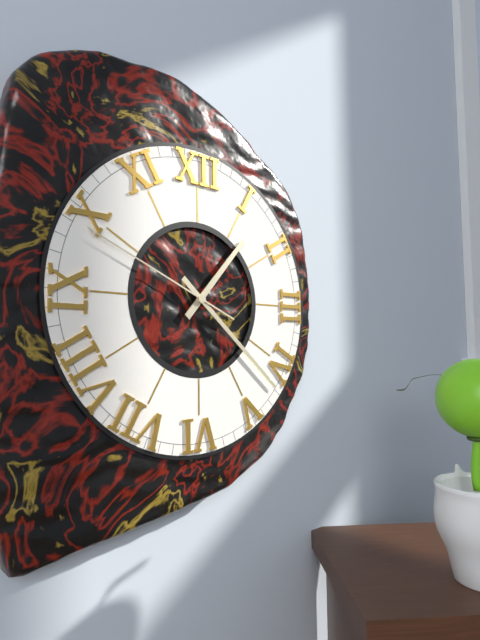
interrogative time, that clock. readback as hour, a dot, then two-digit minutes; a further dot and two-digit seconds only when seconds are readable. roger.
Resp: 1.22.49
